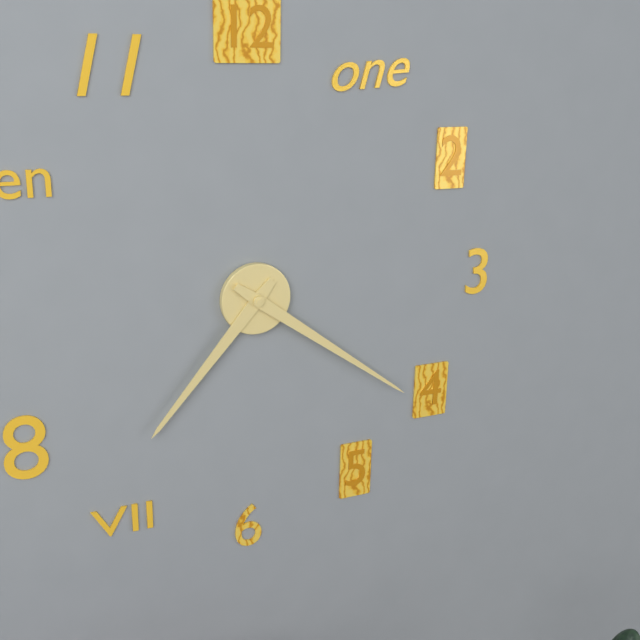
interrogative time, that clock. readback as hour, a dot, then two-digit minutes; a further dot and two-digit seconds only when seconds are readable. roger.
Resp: 7.21
